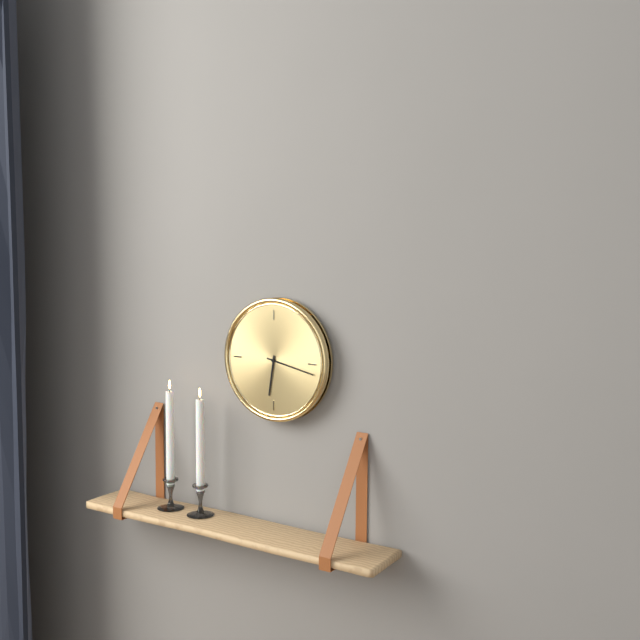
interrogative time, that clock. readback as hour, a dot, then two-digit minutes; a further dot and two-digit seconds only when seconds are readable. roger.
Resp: 6.17
